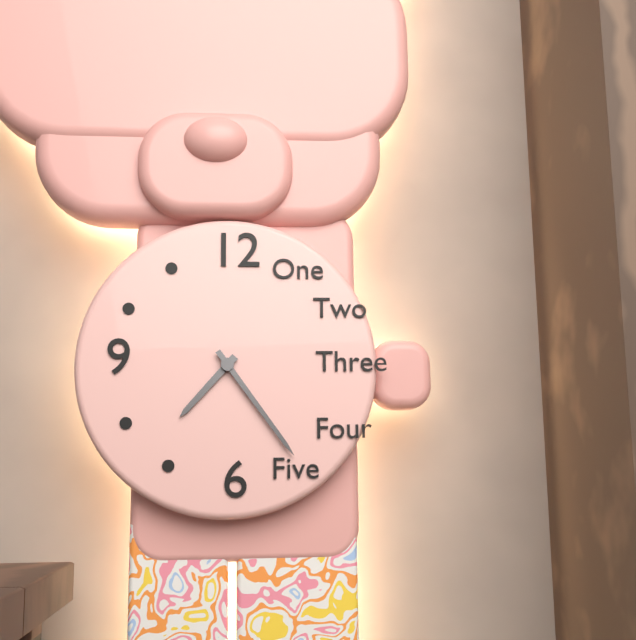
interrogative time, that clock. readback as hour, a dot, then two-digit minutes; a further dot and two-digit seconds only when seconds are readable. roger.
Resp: 7.24
